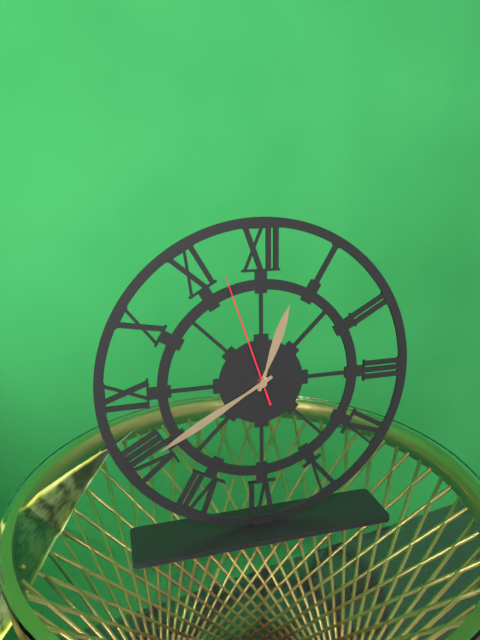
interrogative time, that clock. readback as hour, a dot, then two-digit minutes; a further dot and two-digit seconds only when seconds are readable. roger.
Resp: 12.40.57
